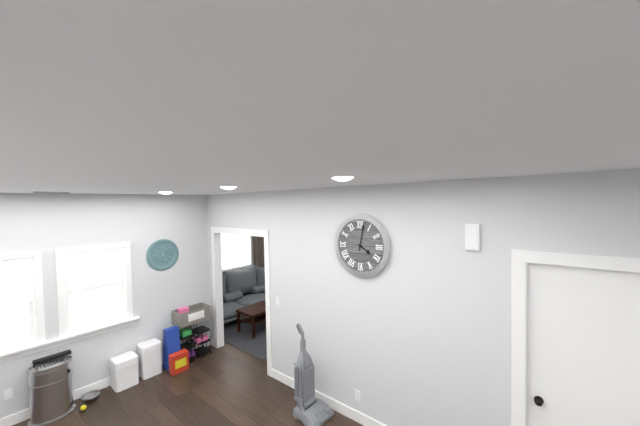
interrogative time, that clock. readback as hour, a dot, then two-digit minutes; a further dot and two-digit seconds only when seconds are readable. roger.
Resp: 4.02
